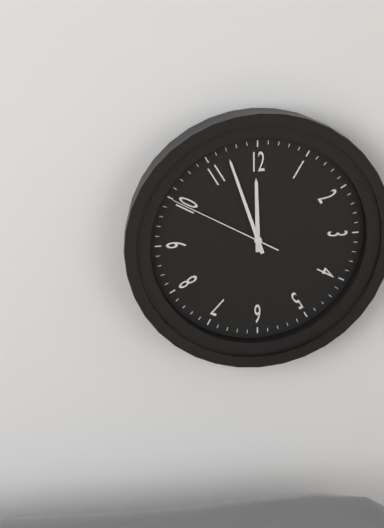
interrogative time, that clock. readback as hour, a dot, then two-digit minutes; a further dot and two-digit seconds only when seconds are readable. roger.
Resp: 11.57.50
